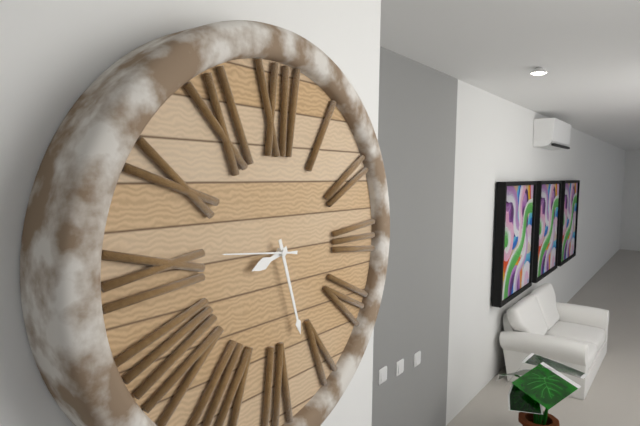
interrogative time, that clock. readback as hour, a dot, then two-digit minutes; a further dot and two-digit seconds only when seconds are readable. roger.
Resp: 8.27.46
